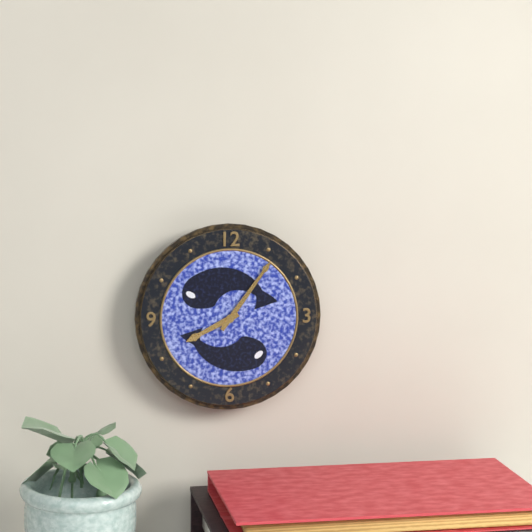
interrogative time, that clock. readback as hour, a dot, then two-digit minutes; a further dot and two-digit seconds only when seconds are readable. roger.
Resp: 8.06
